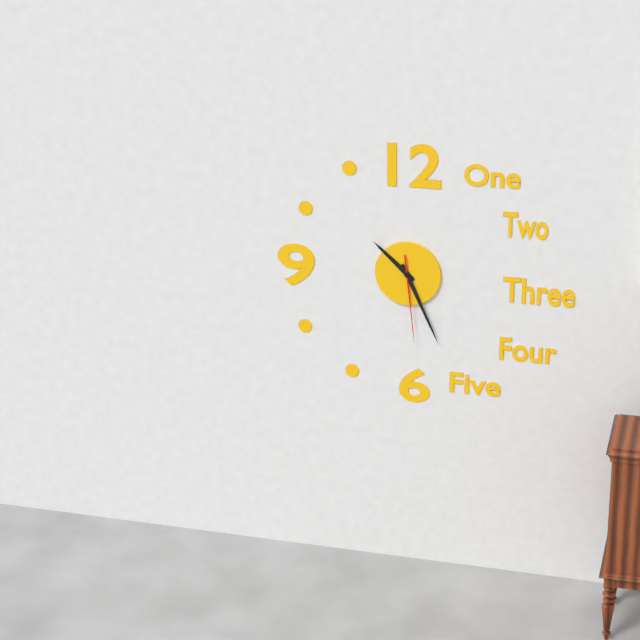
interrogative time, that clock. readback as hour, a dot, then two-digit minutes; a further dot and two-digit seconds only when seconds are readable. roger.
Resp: 10.26.29
